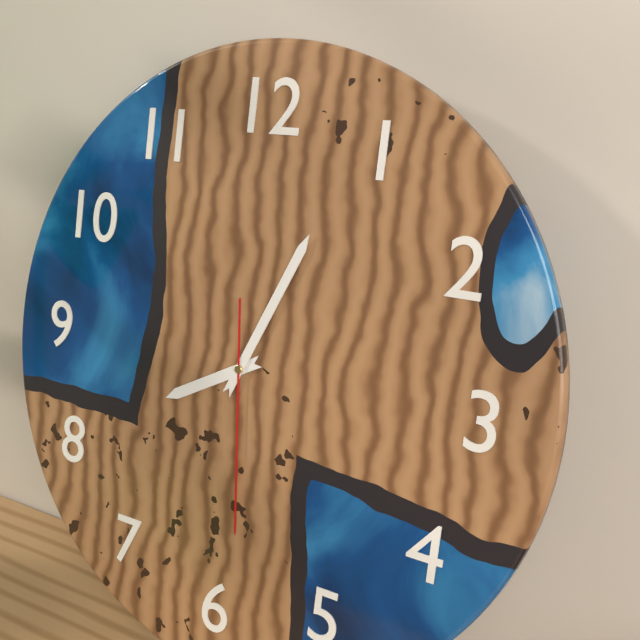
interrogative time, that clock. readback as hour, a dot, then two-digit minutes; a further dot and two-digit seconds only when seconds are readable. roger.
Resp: 8.04.29
